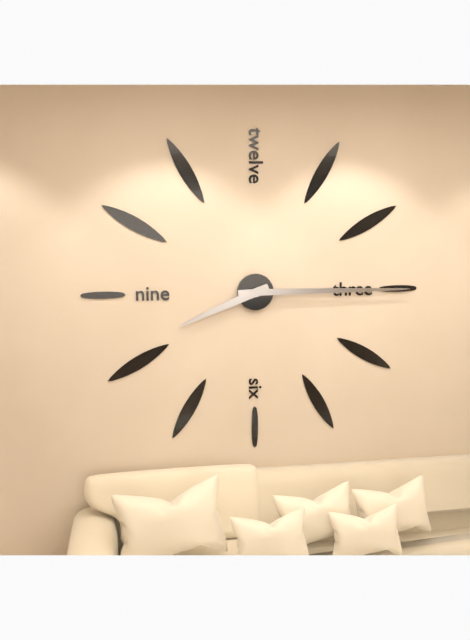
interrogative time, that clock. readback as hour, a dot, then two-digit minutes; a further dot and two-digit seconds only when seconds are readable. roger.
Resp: 8.15
